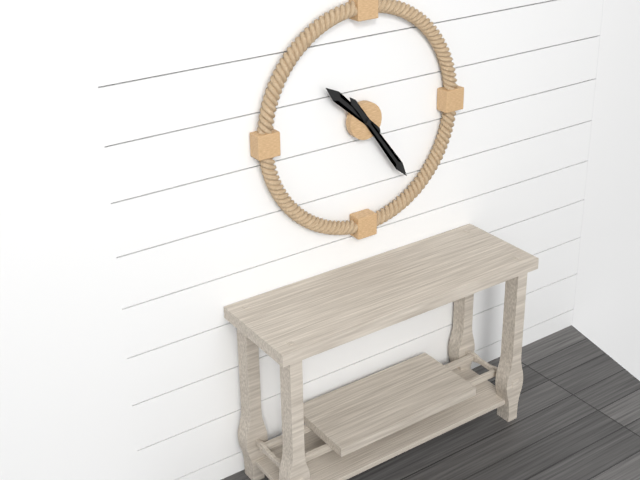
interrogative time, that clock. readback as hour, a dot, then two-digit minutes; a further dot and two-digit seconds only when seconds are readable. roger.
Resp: 10.24
